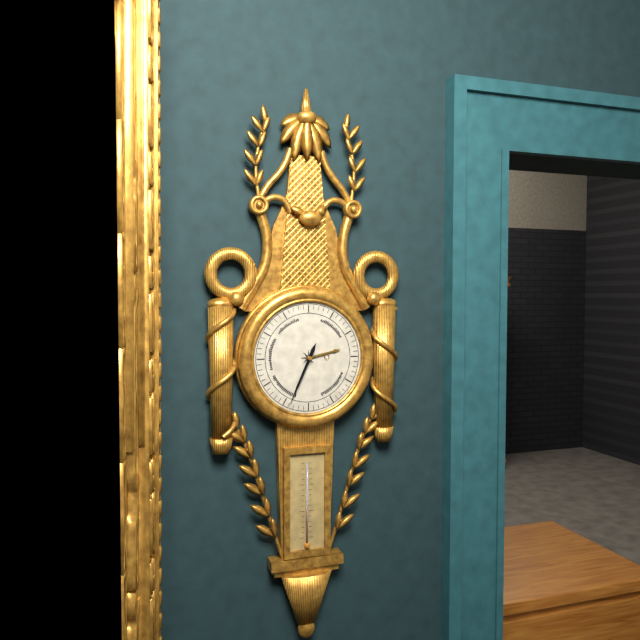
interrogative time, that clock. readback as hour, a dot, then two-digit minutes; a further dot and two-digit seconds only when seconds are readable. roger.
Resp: 2.34
